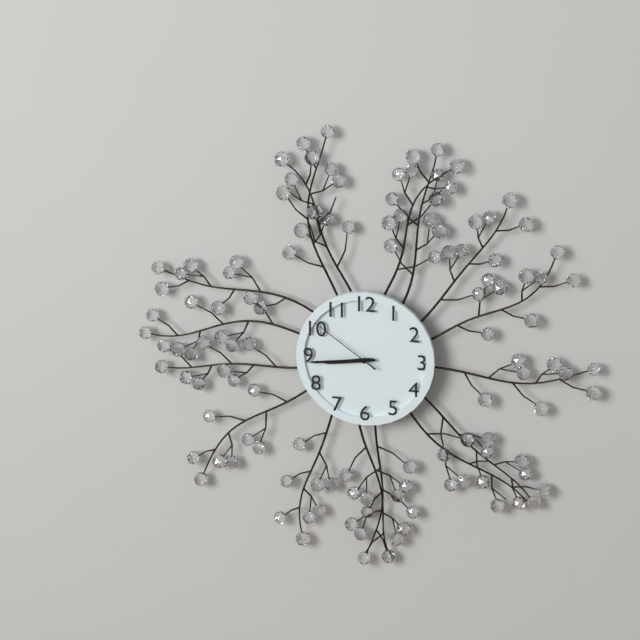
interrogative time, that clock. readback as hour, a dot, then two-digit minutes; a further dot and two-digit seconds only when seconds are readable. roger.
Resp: 8.44.51
